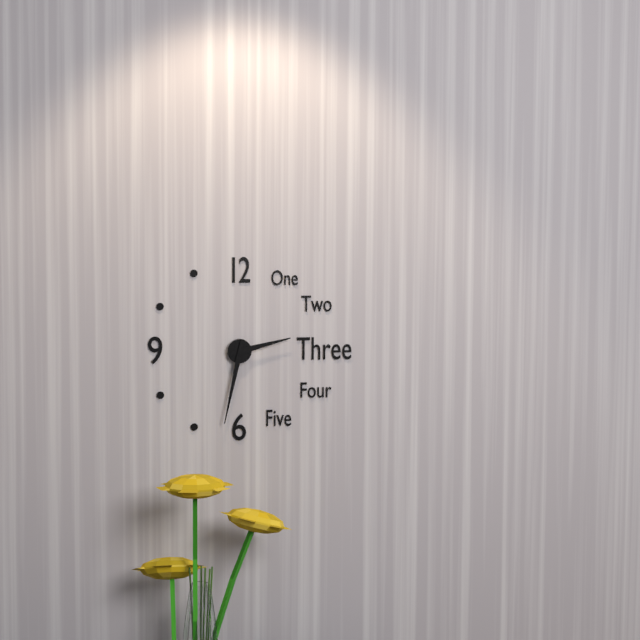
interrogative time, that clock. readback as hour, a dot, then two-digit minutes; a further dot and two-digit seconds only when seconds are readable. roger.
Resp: 2.32
